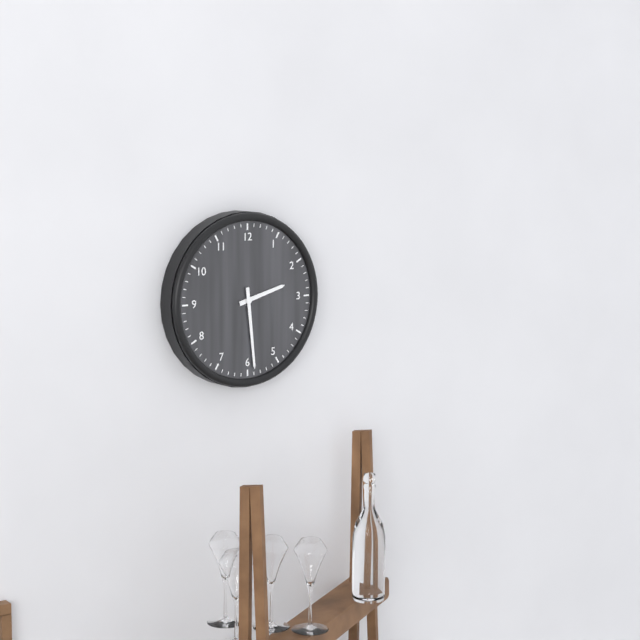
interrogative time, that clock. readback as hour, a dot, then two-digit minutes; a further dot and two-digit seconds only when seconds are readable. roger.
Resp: 2.29
